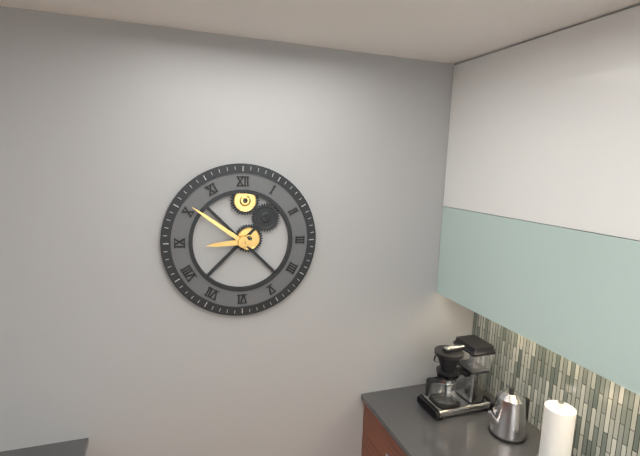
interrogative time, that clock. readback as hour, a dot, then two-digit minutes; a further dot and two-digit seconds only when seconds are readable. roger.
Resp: 8.51
